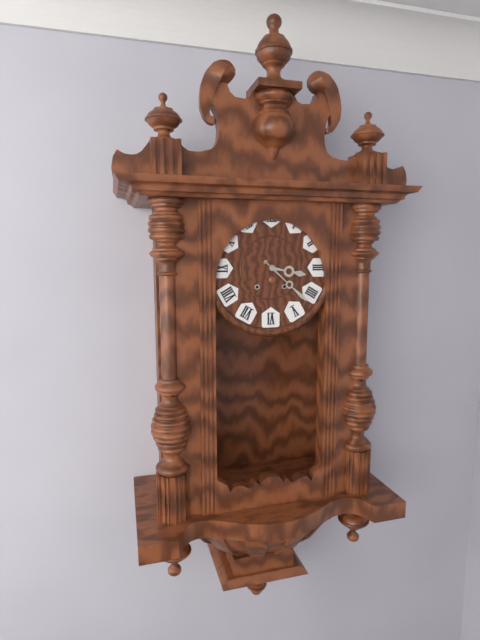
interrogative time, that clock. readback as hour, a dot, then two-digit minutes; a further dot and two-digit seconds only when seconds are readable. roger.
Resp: 3.22
